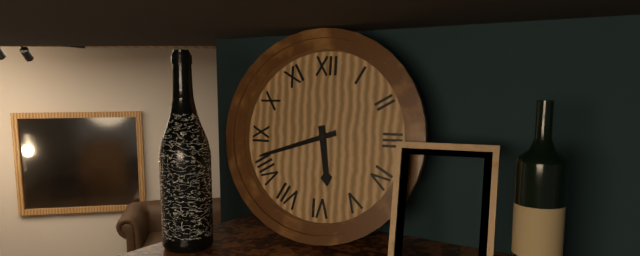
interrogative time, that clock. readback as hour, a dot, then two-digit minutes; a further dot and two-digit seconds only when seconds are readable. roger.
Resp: 5.42
